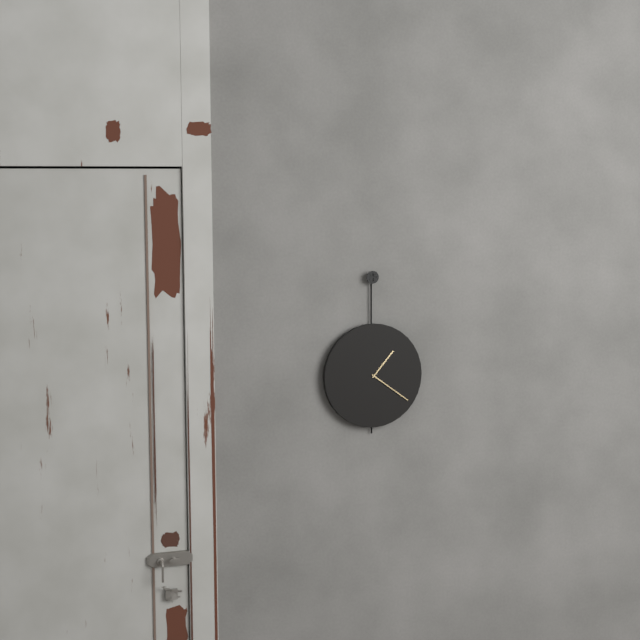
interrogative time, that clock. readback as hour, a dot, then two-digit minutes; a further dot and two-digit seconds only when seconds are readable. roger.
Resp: 1.21
